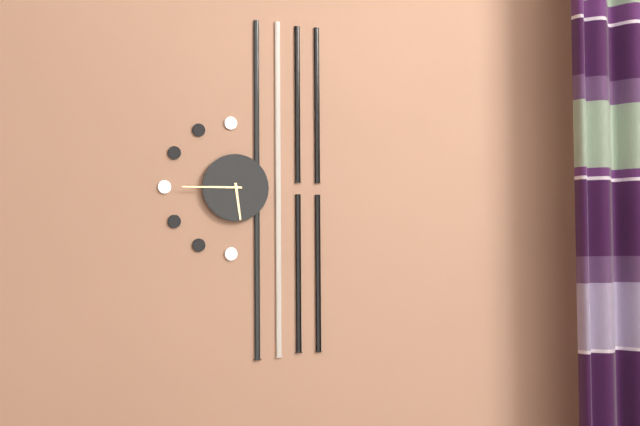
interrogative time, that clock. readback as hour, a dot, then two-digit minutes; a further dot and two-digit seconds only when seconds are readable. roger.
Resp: 5.45
